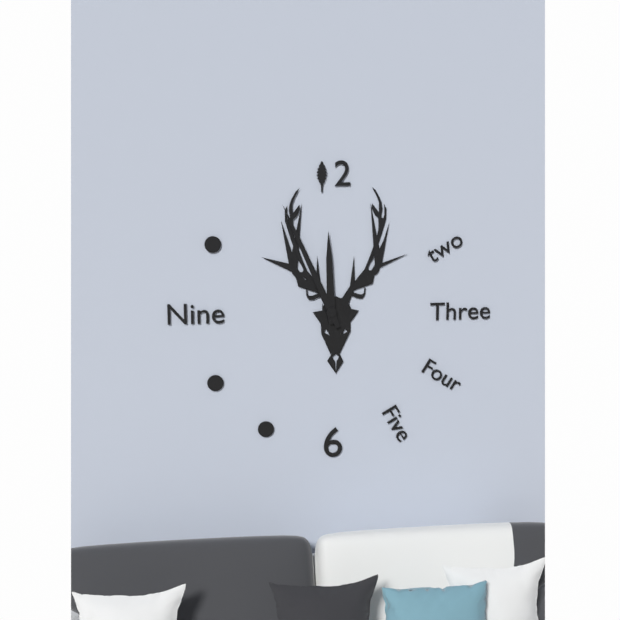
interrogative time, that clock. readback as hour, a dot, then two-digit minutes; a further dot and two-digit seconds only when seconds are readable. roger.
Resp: 11.56
